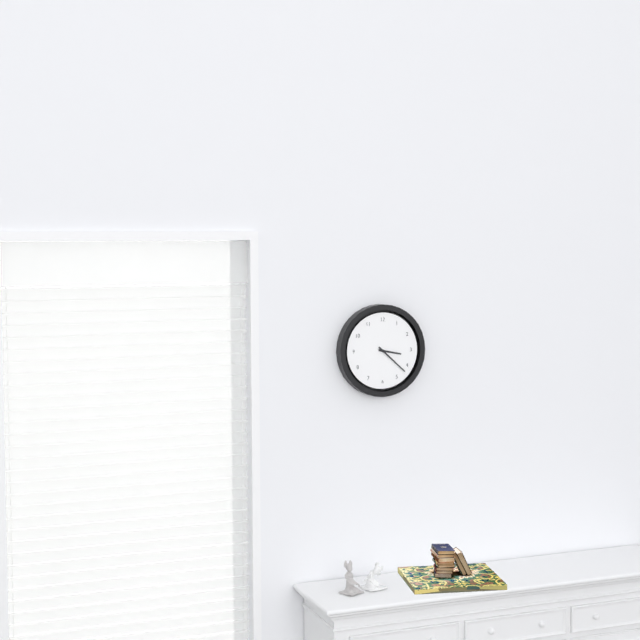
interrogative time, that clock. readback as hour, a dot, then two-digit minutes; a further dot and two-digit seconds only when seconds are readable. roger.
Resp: 3.22
